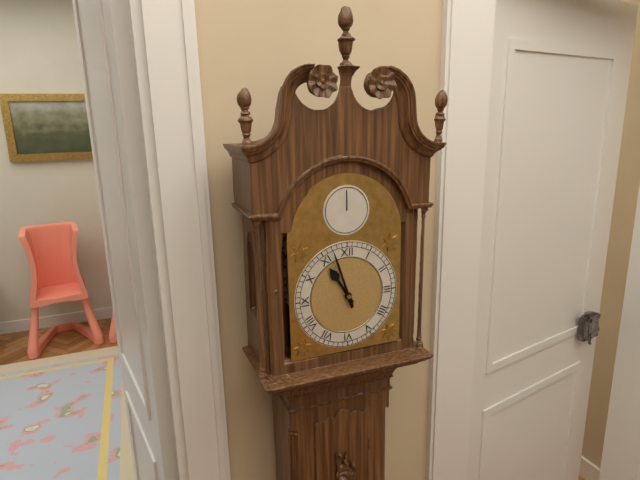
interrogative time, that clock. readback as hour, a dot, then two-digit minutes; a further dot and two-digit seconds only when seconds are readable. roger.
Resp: 10.57
